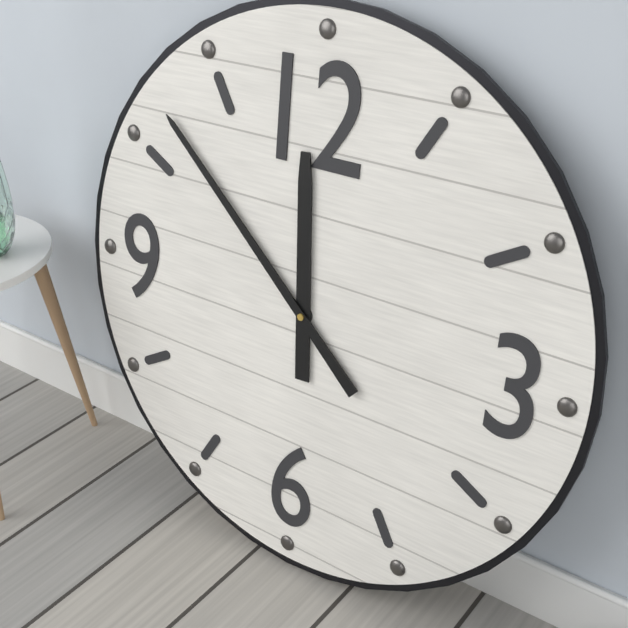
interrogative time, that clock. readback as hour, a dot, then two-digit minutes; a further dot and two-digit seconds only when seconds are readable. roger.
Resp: 11.52
